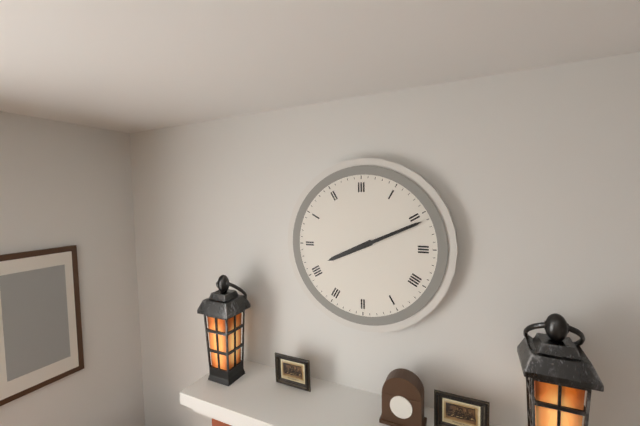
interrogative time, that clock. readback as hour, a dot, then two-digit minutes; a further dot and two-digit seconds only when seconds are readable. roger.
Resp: 8.11
